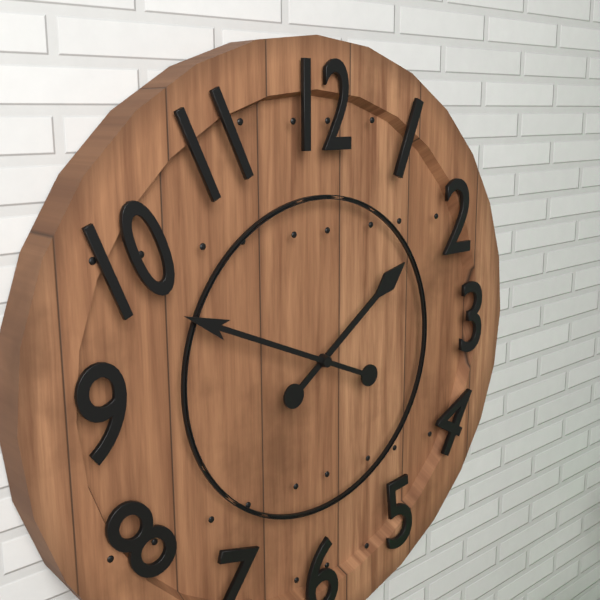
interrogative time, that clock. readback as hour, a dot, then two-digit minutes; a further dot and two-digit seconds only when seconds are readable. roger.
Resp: 1.49
